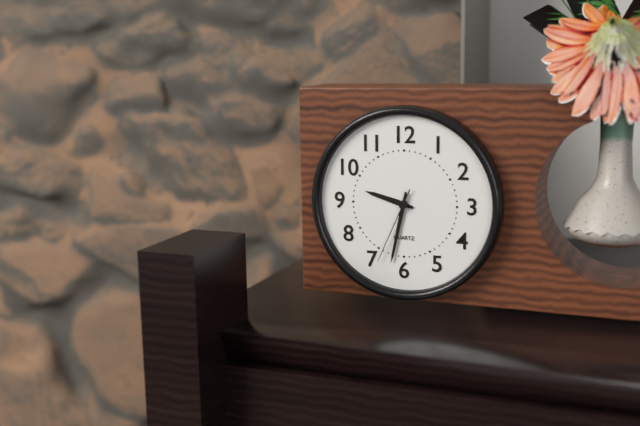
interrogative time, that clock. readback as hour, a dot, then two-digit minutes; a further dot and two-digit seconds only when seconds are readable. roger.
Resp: 9.32.34
